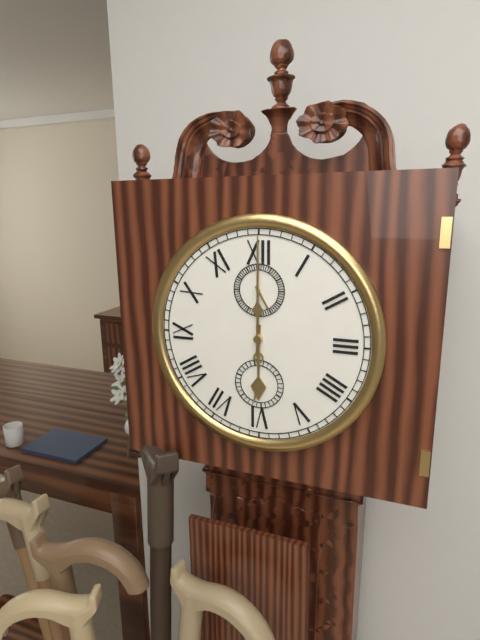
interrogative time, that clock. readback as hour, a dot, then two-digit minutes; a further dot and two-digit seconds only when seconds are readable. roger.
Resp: 6.00
